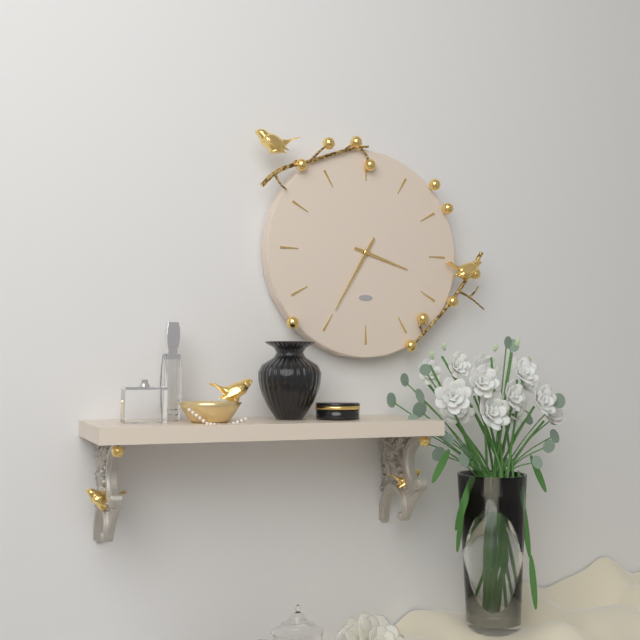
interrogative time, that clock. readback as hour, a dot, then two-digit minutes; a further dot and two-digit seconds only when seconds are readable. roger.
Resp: 3.35
